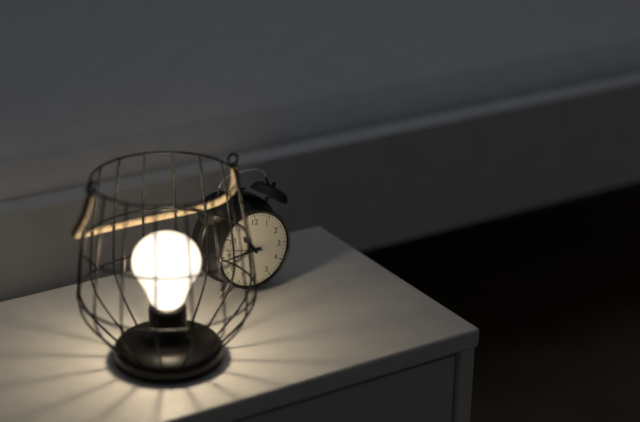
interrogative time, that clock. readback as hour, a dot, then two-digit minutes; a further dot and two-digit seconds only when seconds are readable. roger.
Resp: 10.44
